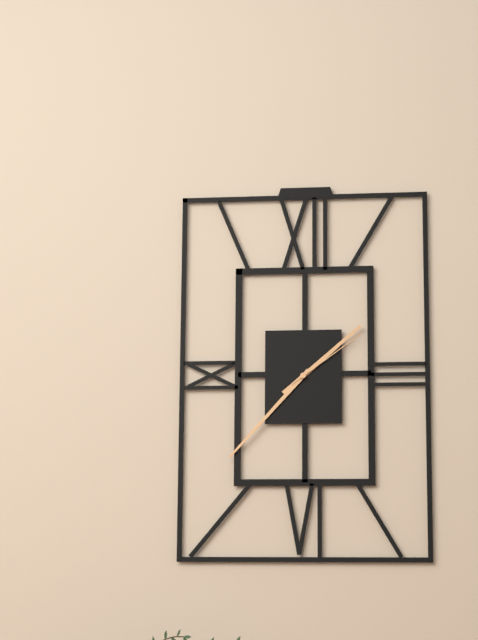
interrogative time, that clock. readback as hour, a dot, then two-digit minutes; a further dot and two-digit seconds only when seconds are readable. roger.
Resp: 1.37.09
